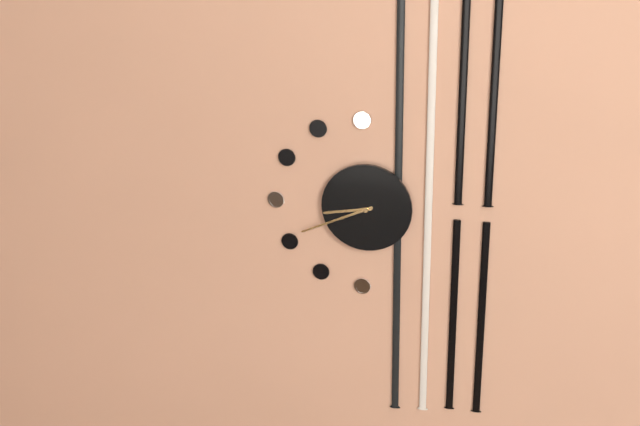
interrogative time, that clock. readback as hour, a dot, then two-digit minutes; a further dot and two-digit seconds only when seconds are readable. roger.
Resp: 8.41
